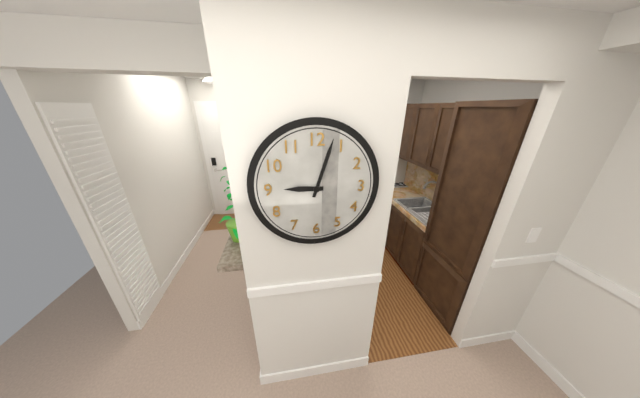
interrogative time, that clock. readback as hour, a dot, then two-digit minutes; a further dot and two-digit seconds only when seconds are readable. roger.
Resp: 9.03
